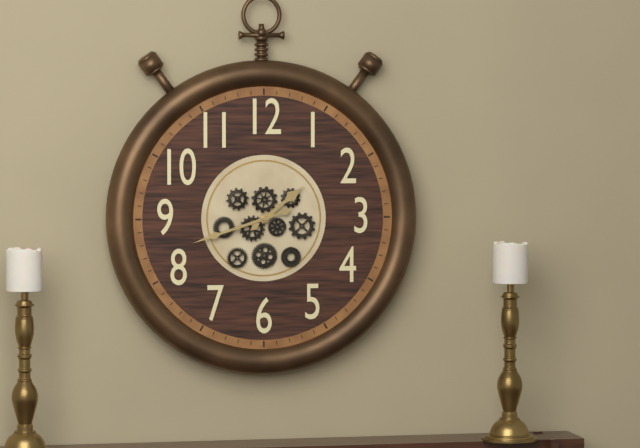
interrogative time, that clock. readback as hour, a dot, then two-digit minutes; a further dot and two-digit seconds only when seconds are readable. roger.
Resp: 1.42
